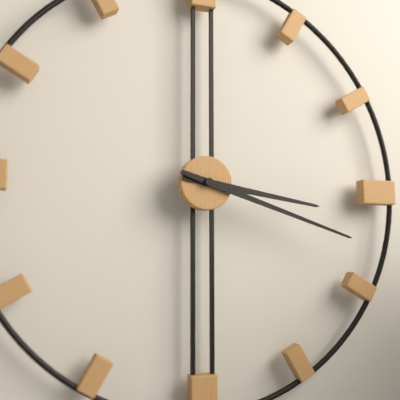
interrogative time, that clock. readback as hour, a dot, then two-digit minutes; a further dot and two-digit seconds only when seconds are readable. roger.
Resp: 3.18
